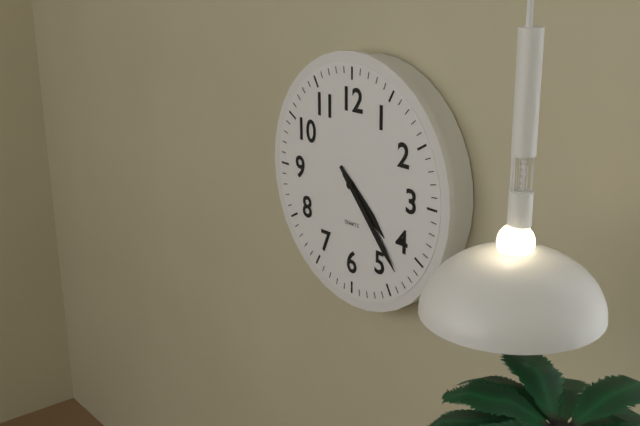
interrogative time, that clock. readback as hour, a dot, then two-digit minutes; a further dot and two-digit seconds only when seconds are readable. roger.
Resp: 4.23
